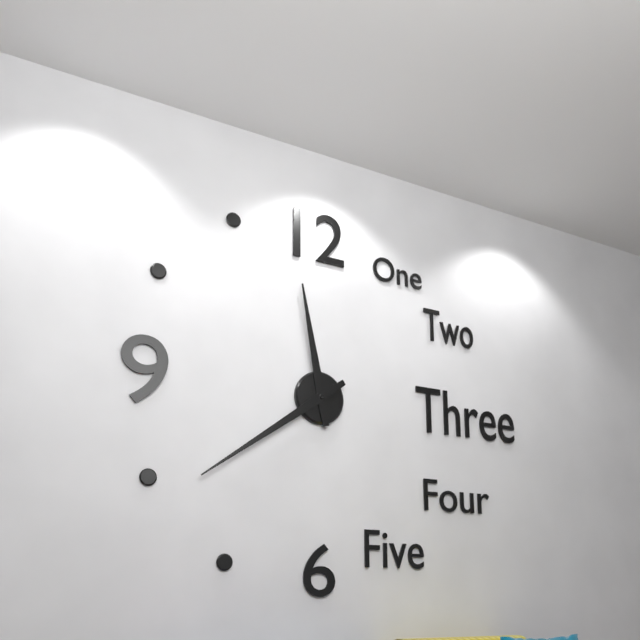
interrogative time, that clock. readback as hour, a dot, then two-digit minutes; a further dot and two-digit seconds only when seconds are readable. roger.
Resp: 11.39
